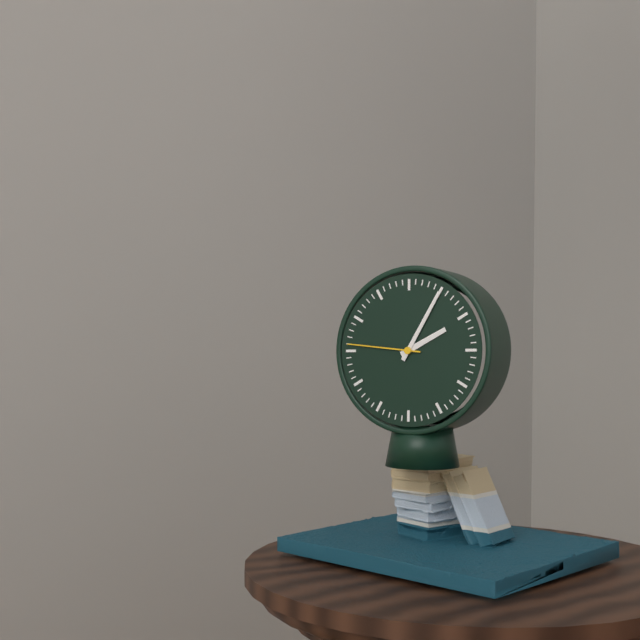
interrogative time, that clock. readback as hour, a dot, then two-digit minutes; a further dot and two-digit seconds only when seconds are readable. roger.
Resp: 2.05.46
